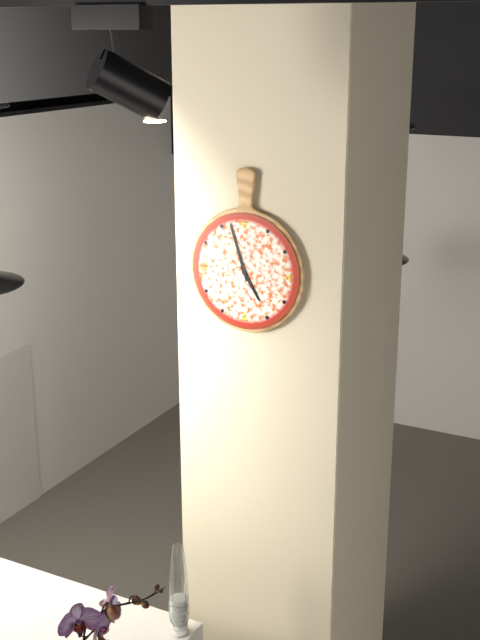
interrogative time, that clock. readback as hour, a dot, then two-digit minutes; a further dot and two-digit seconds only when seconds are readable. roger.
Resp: 4.57
